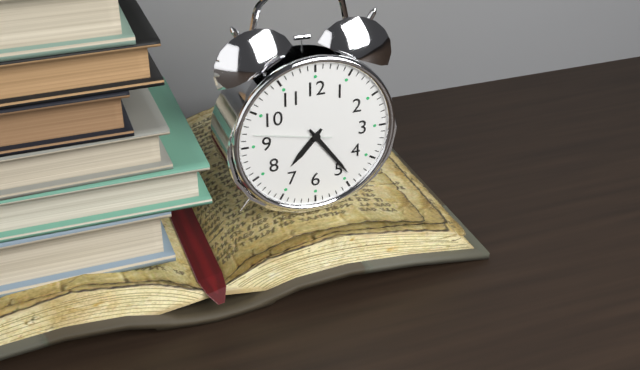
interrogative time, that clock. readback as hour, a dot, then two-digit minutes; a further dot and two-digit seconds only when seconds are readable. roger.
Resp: 7.24.47
